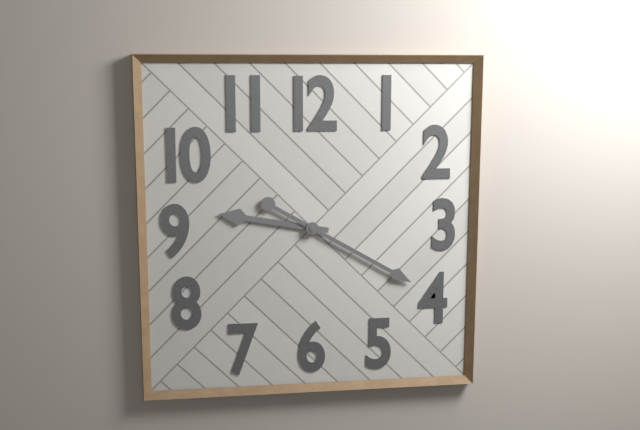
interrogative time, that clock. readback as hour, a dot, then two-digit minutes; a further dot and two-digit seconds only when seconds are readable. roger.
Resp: 9.20
